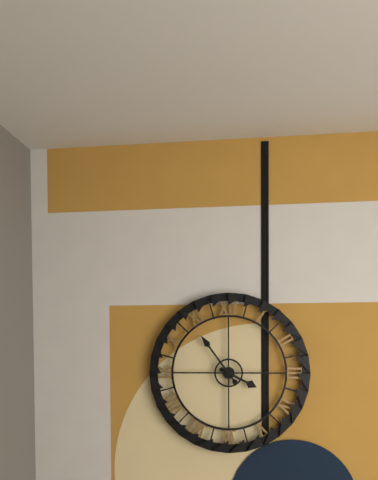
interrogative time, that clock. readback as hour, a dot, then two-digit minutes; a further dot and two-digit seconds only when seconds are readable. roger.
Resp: 3.54
